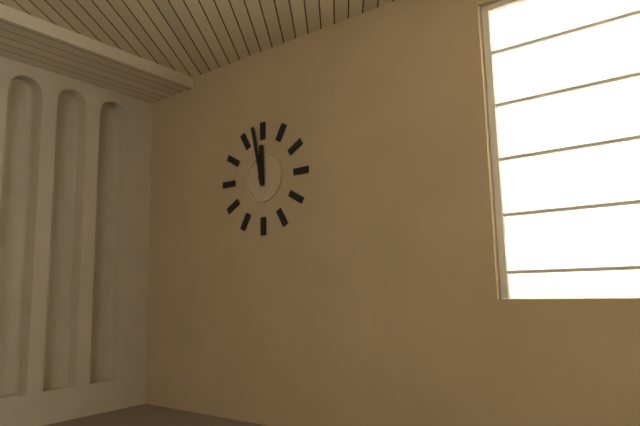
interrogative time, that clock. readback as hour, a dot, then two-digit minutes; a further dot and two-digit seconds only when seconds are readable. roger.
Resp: 11.58
